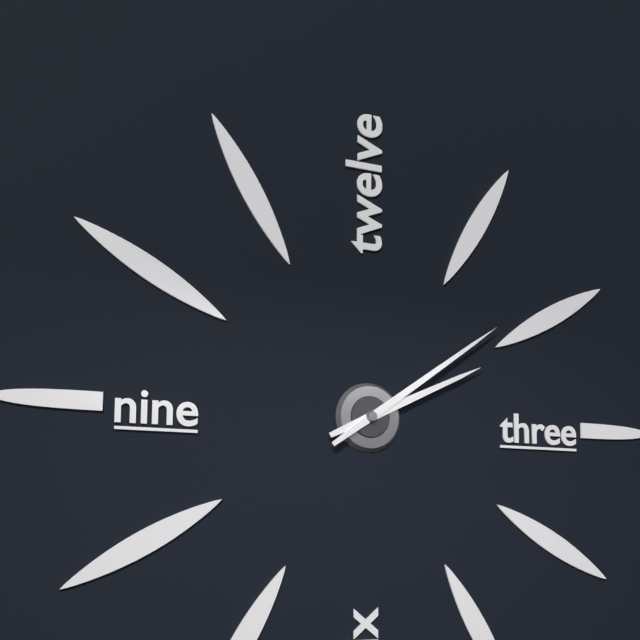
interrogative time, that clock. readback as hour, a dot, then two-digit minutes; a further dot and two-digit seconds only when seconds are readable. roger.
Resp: 2.09
